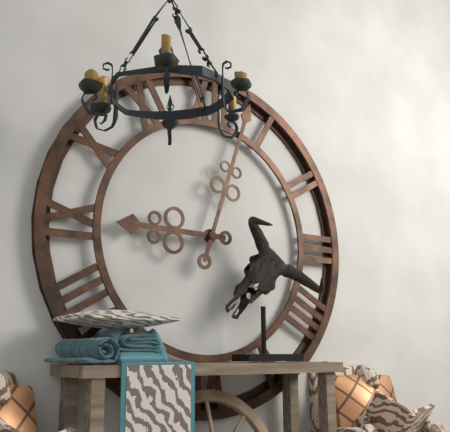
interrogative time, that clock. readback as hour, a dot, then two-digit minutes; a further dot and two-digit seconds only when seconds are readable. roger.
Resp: 9.03
